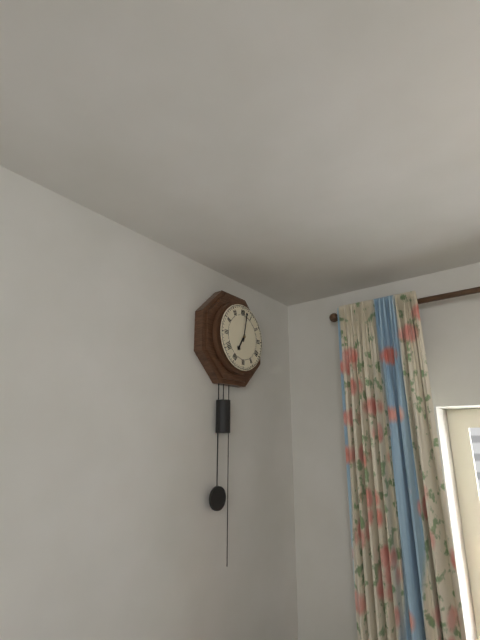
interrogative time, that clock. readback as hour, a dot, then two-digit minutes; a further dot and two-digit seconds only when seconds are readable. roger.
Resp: 7.02
